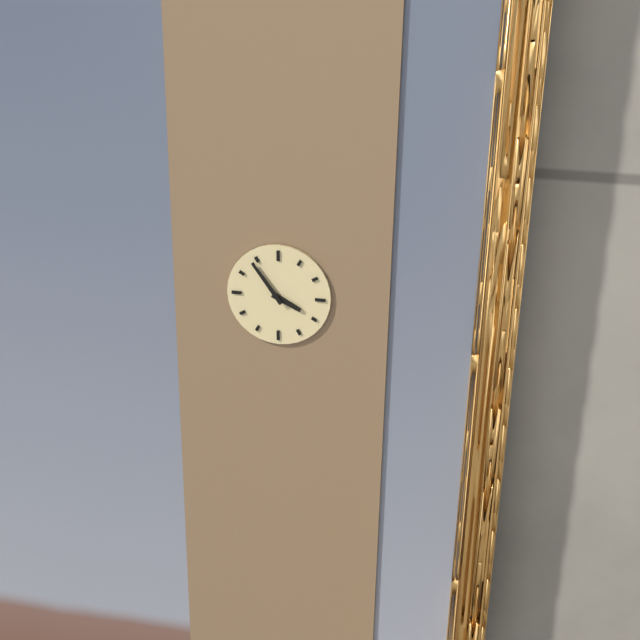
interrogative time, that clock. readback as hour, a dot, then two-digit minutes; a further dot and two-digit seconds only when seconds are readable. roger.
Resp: 3.54
